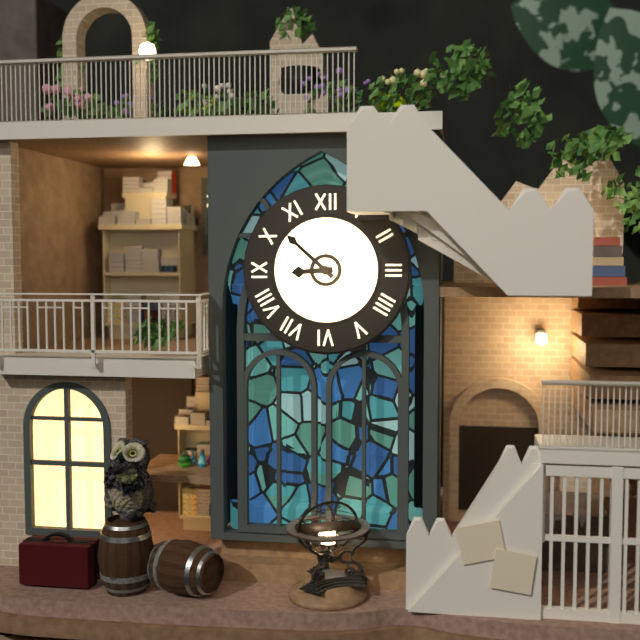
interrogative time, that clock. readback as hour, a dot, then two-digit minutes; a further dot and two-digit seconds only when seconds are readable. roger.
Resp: 8.52
